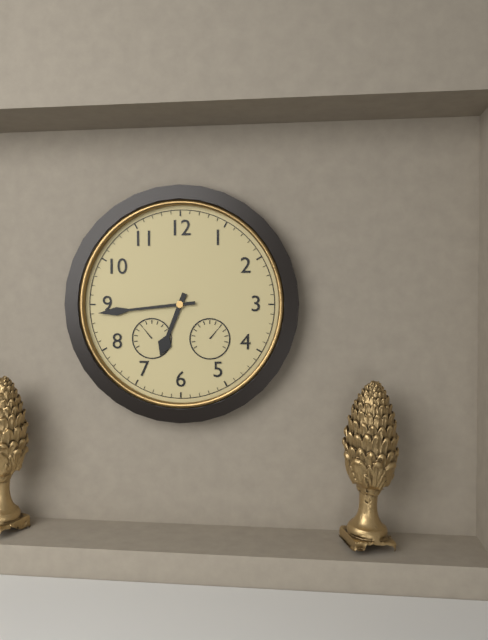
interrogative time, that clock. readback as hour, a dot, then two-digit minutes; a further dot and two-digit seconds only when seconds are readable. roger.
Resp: 6.44
